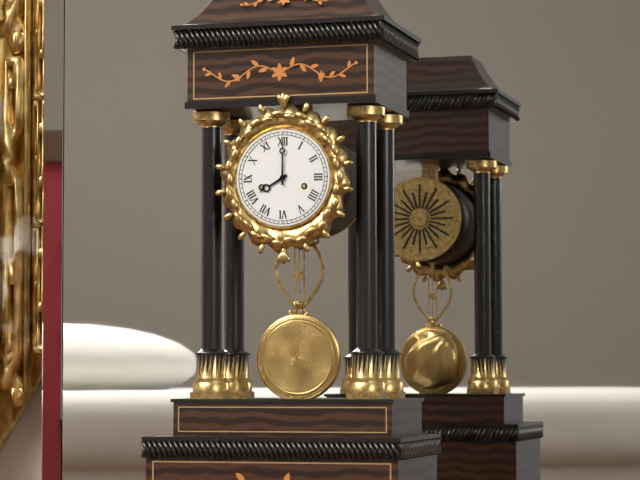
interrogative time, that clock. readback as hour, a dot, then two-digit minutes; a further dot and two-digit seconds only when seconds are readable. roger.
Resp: 8.00
